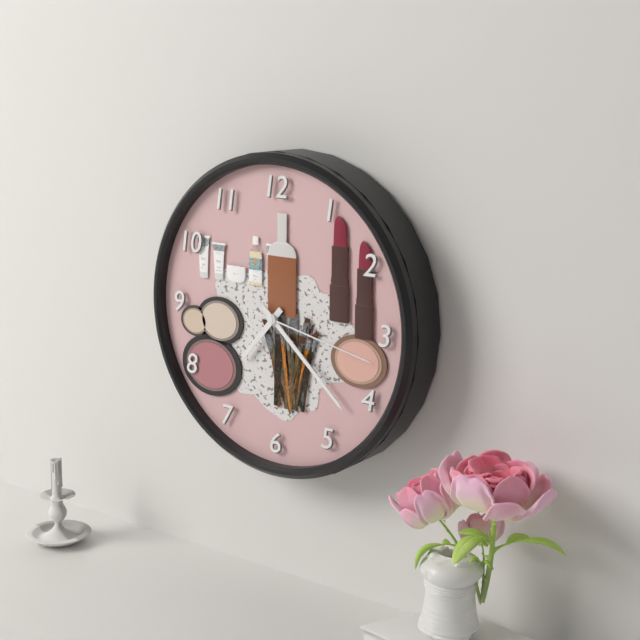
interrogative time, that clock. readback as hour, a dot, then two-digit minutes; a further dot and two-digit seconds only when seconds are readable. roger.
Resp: 7.22.17
